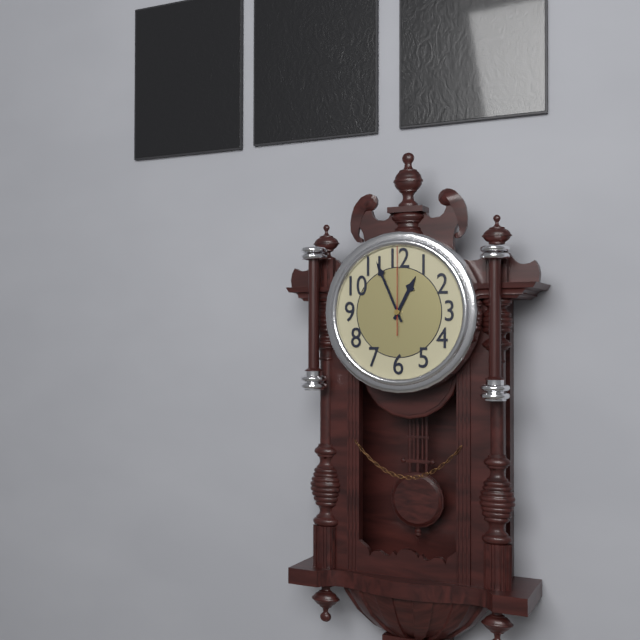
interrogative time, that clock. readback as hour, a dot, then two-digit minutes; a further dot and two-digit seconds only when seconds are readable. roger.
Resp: 12.56.00
